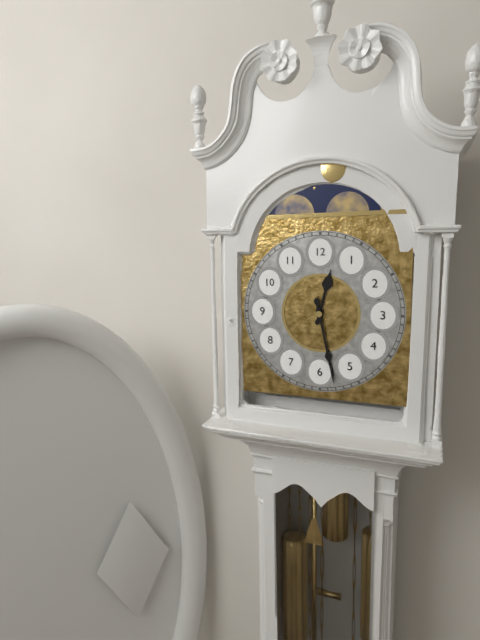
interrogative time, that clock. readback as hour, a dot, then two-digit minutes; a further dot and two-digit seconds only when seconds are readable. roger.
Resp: 12.28
